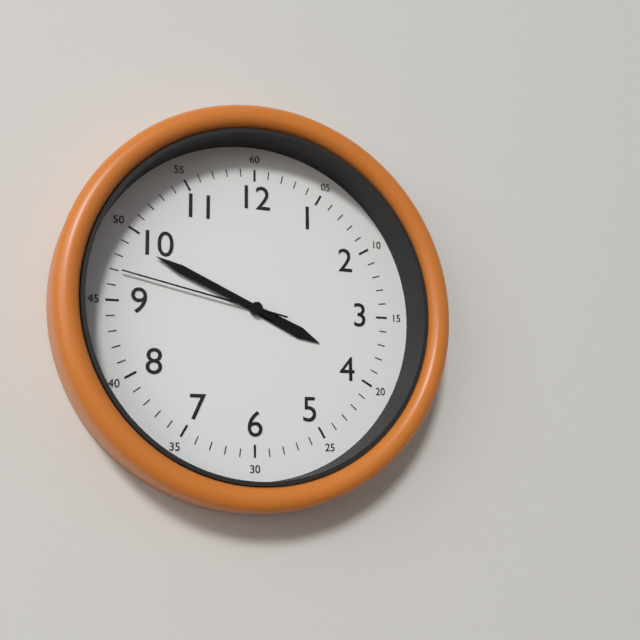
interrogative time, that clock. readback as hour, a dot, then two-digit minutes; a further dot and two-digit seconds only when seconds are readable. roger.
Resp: 3.49.47
